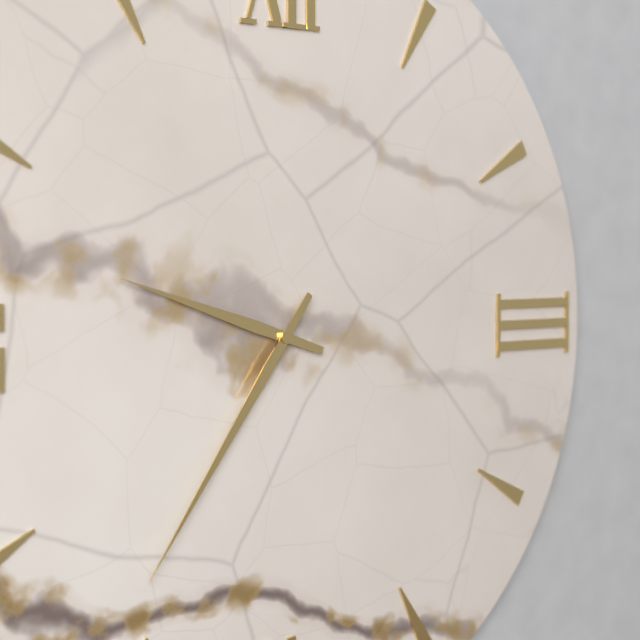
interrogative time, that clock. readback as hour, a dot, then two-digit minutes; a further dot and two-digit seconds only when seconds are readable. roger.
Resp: 9.36
